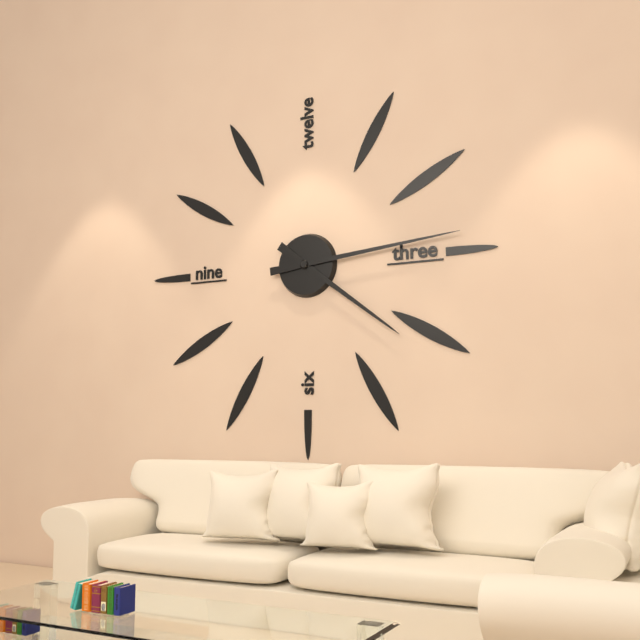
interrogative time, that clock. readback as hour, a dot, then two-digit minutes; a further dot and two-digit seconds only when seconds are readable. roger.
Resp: 4.14
